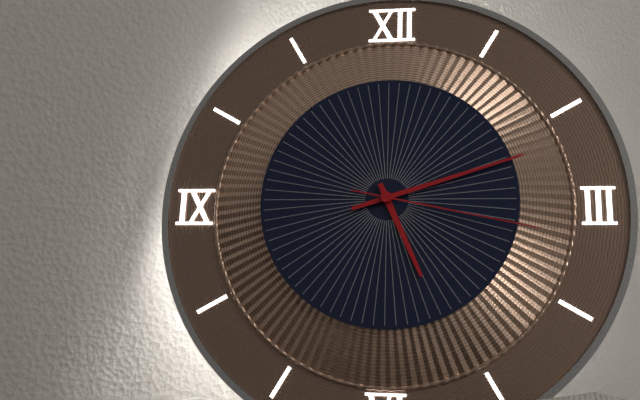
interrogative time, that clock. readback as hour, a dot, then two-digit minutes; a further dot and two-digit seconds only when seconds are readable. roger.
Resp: 5.12.17
